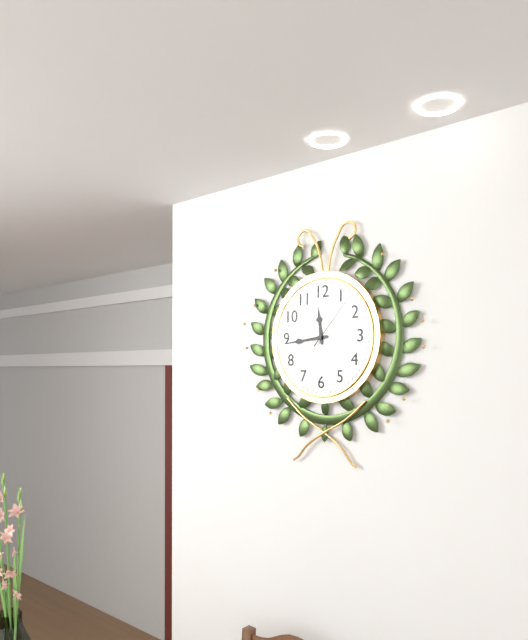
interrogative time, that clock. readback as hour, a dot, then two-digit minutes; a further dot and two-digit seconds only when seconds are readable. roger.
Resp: 11.44.07
